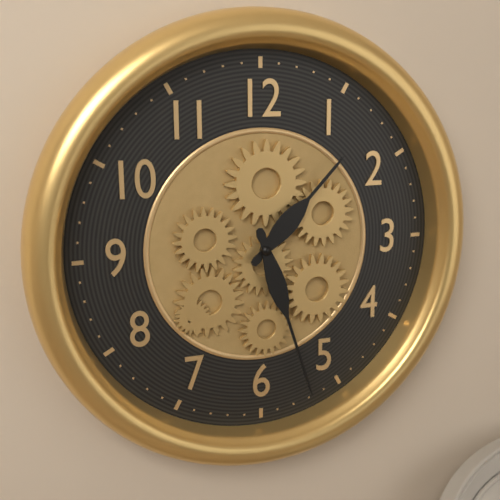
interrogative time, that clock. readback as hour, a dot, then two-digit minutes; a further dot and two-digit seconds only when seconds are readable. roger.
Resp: 1.27
